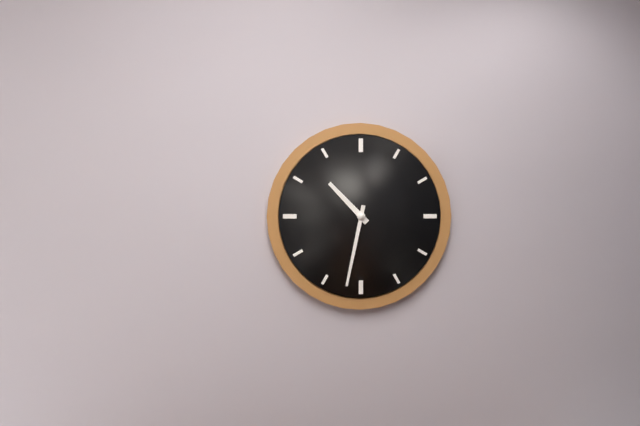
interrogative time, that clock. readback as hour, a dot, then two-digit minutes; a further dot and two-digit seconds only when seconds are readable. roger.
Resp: 10.32
